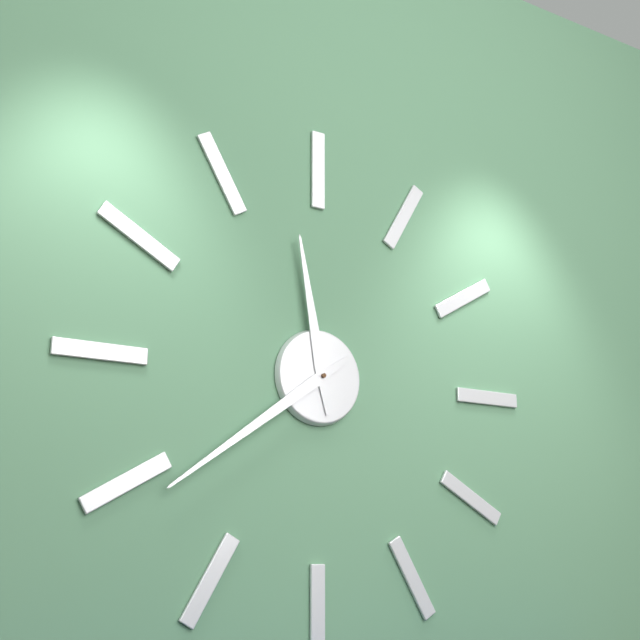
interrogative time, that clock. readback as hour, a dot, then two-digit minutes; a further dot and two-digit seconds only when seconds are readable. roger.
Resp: 11.39
